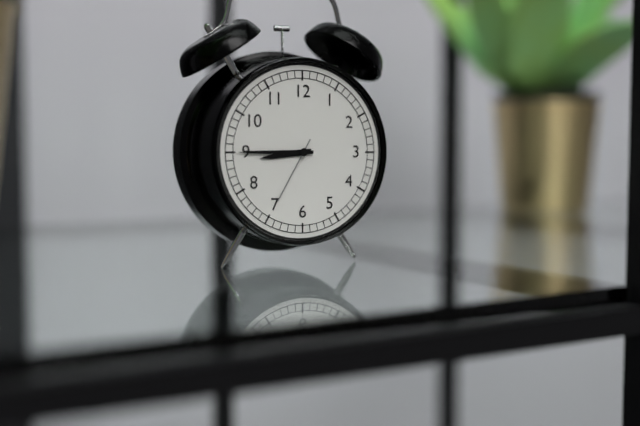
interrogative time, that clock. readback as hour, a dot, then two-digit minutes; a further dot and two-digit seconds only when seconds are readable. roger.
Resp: 8.45.35
